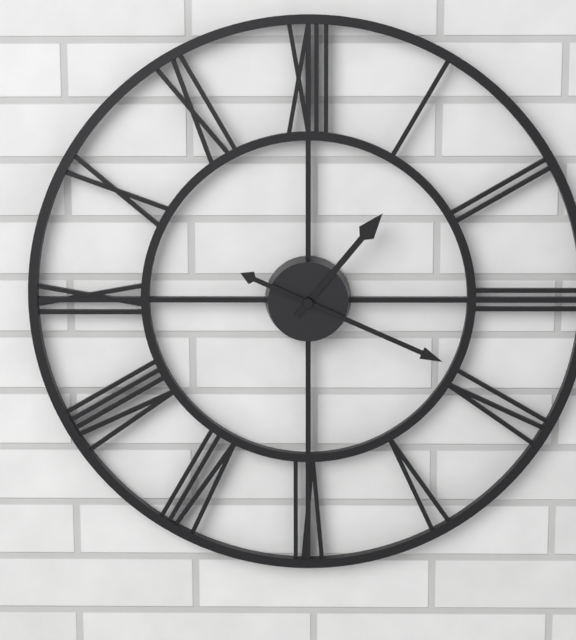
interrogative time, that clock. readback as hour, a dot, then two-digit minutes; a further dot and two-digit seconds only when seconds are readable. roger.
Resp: 1.19
